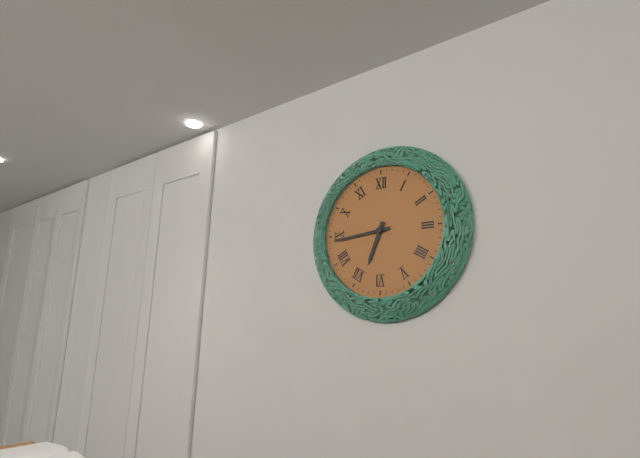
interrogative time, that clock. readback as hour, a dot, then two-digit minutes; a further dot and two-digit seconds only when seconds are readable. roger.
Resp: 6.44
